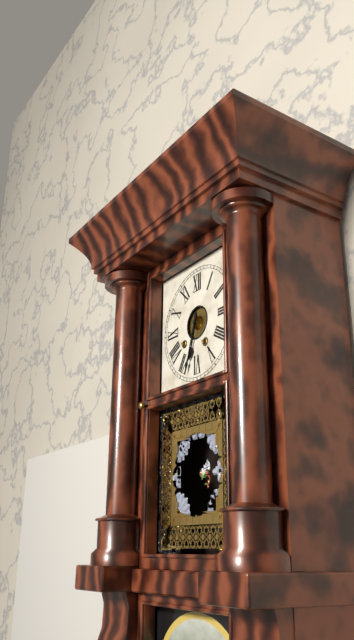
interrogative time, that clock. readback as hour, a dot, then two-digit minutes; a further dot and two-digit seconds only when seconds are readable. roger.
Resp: 6.33
